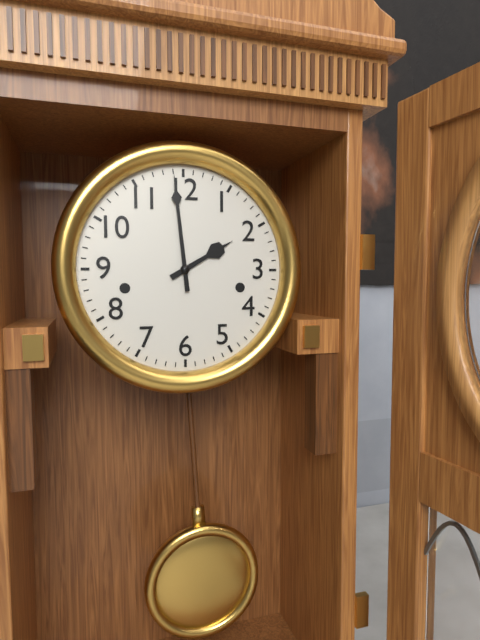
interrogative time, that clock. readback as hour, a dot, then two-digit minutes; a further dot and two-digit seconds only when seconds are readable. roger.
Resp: 1.59
